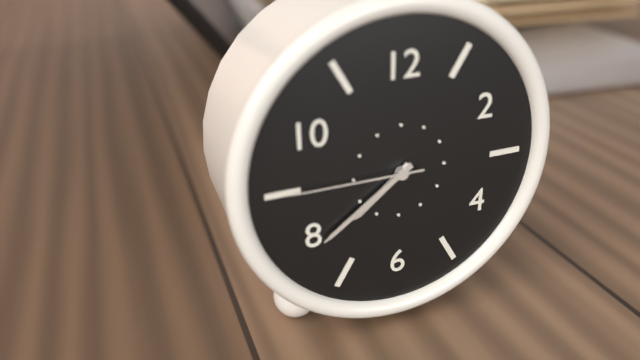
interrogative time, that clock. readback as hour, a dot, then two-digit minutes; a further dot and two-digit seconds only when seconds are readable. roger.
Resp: 7.39.45
